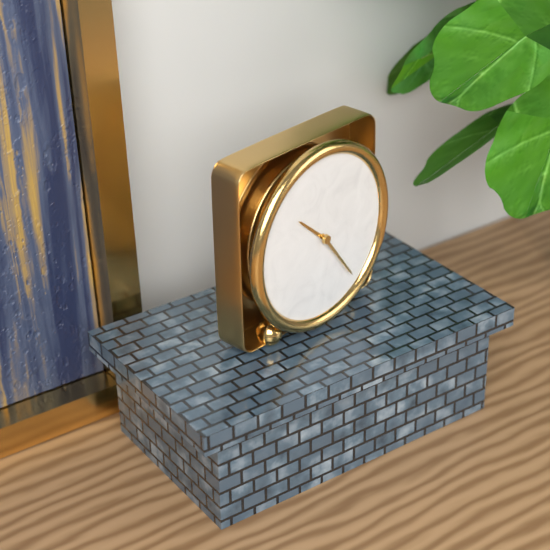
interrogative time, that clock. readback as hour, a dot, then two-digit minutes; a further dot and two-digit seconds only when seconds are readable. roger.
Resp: 10.24
